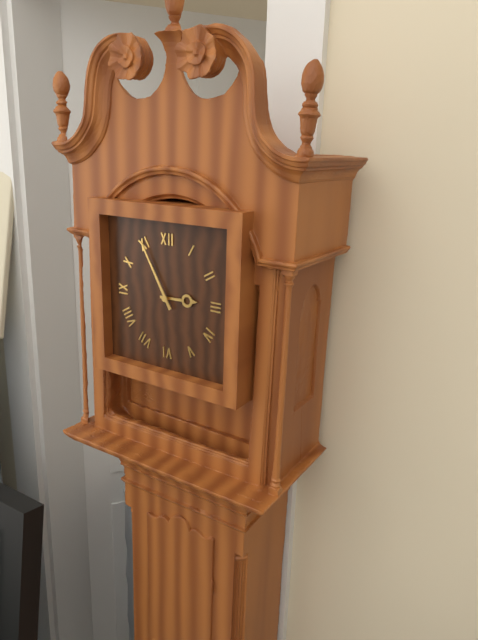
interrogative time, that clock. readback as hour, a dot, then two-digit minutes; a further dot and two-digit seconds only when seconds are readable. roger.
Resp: 2.55
